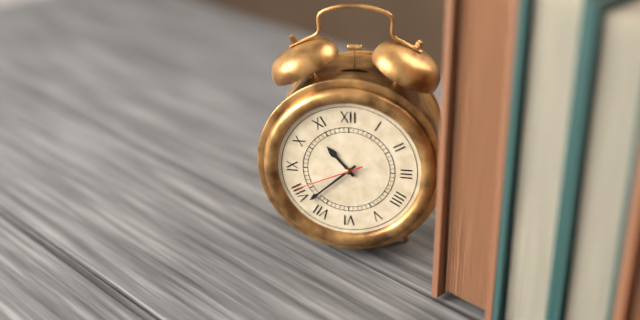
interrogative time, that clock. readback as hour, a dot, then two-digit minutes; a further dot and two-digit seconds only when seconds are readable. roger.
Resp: 10.38.41
